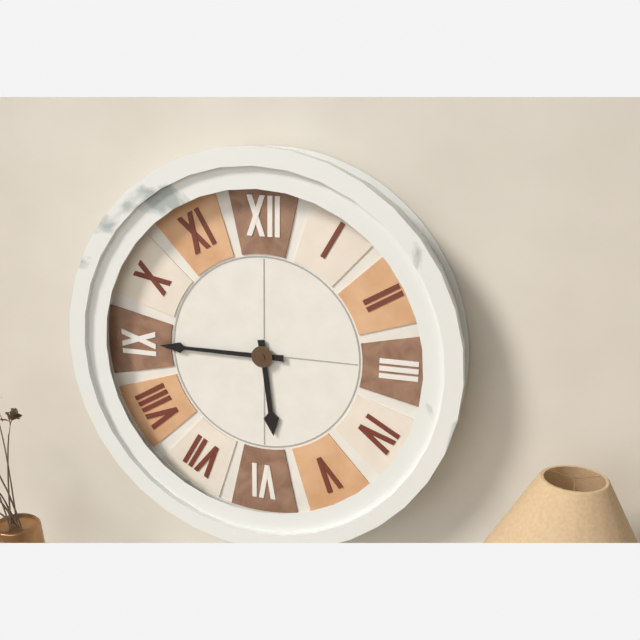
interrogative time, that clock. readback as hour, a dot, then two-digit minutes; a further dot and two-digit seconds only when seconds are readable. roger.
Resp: 5.45
